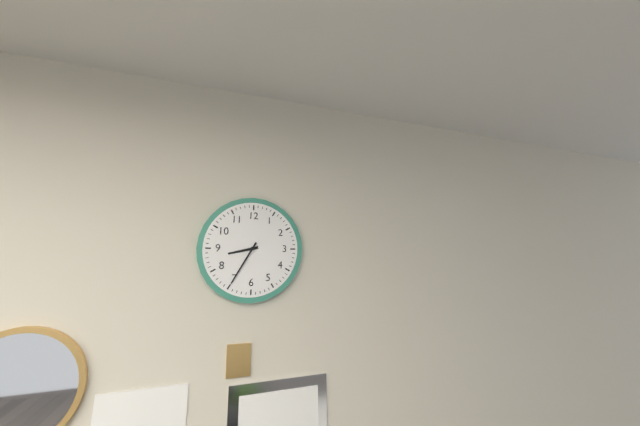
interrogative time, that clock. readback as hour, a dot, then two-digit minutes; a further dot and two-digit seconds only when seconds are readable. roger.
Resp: 8.35
